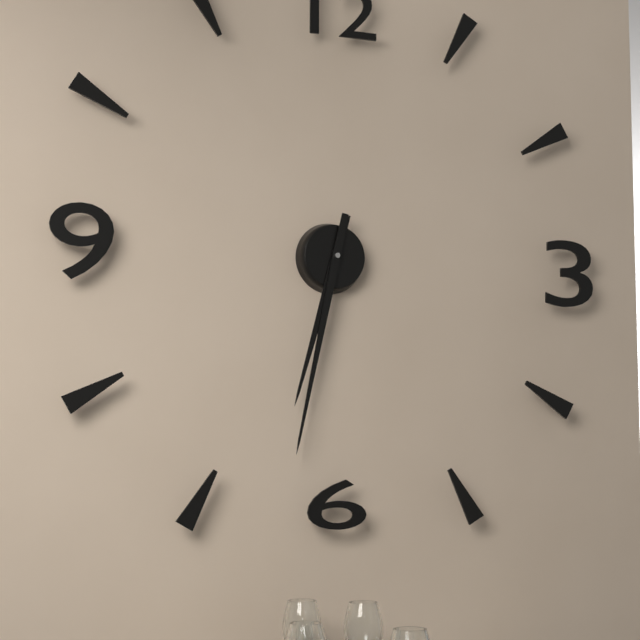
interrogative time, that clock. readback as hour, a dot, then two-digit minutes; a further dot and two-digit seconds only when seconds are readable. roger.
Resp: 6.32
